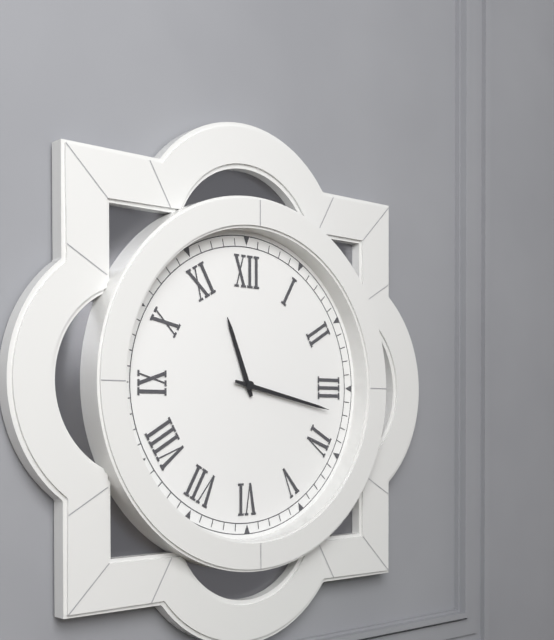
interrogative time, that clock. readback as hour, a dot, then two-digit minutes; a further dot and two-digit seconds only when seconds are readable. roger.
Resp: 11.17
